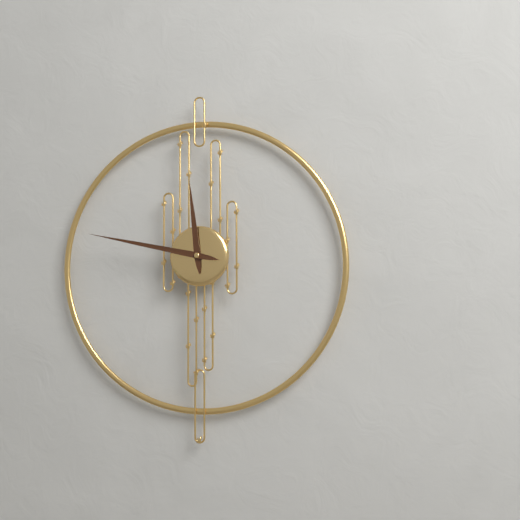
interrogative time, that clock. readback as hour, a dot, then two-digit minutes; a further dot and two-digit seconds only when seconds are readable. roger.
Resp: 11.47
